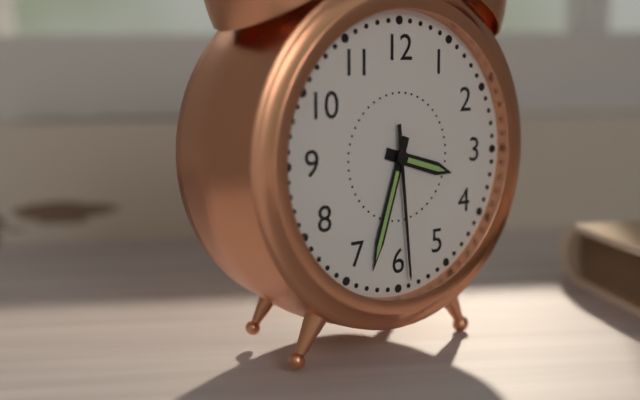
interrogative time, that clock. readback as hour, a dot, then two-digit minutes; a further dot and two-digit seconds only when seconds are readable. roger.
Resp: 3.33.29
